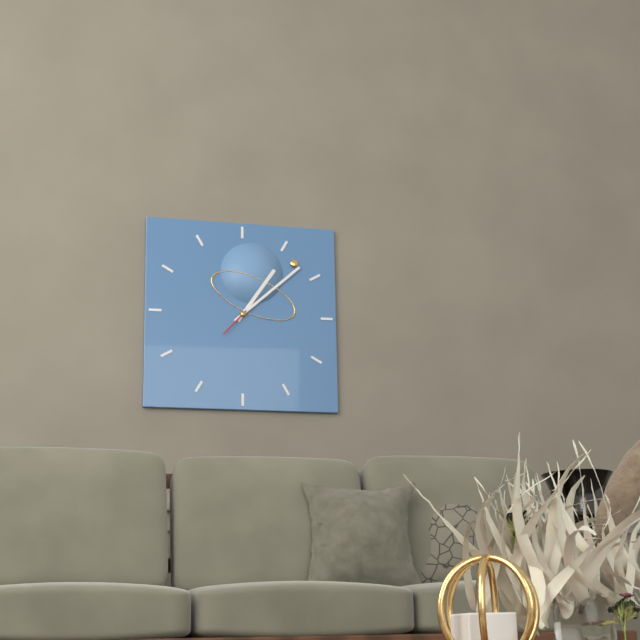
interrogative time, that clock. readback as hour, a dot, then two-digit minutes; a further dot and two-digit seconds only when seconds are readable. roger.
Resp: 1.08
